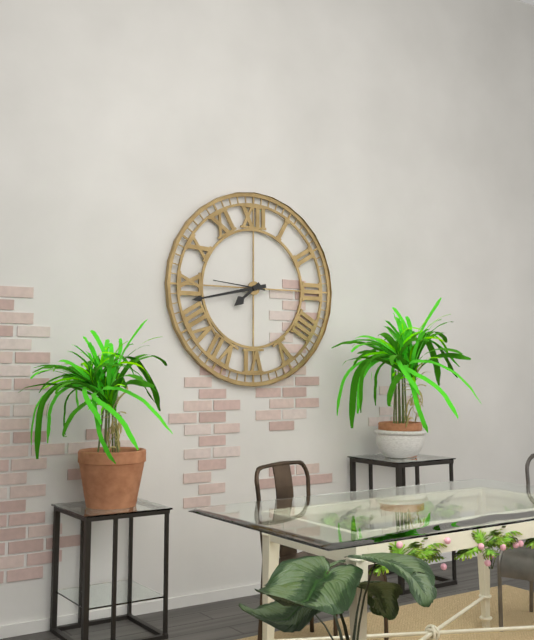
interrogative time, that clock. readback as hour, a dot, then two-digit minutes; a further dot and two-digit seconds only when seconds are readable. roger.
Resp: 7.43.46
